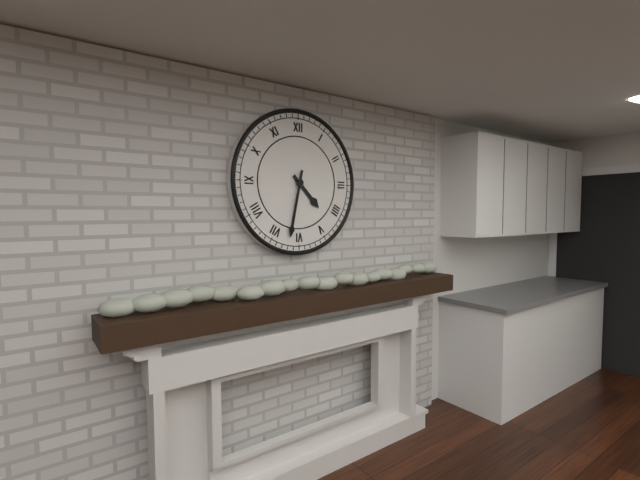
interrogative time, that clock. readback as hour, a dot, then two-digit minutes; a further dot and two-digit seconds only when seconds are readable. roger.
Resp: 4.32
